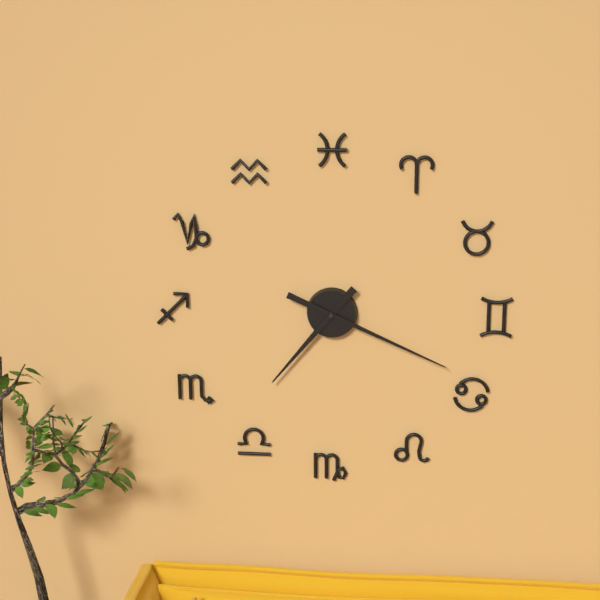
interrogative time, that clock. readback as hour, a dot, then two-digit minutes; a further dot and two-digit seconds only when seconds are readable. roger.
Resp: 7.19
